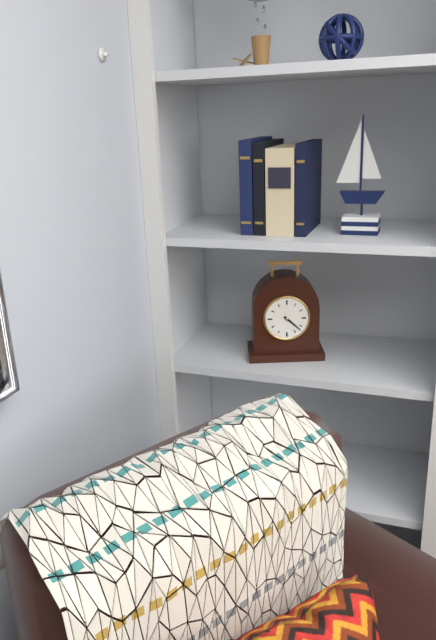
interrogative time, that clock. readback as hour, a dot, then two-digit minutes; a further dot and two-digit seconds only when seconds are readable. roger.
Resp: 4.22
